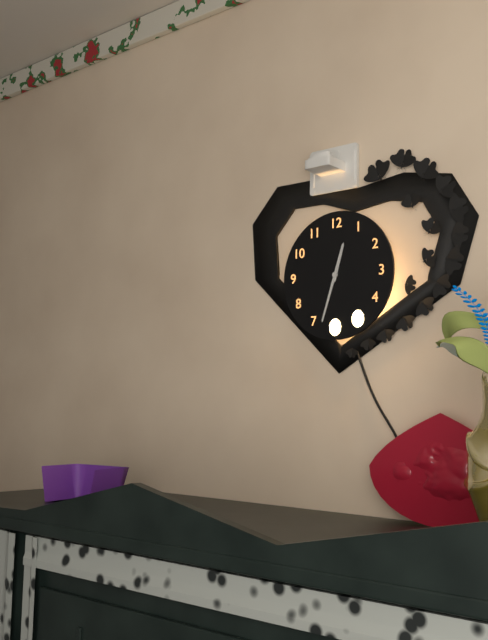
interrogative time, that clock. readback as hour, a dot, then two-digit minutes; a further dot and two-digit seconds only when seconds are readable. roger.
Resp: 12.33
